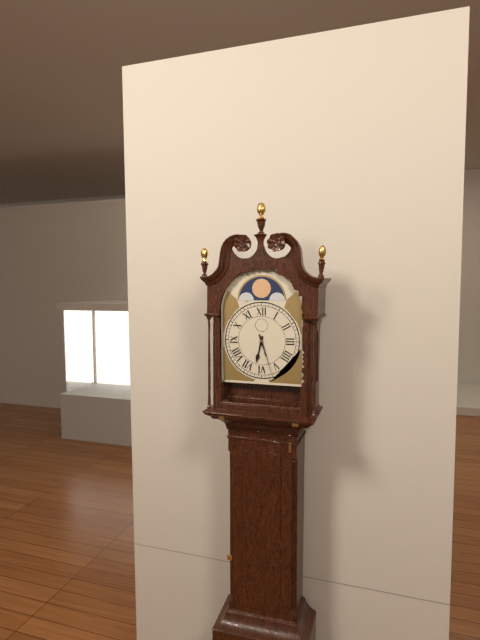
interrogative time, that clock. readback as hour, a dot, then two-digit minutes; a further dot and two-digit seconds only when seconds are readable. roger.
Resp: 6.27
